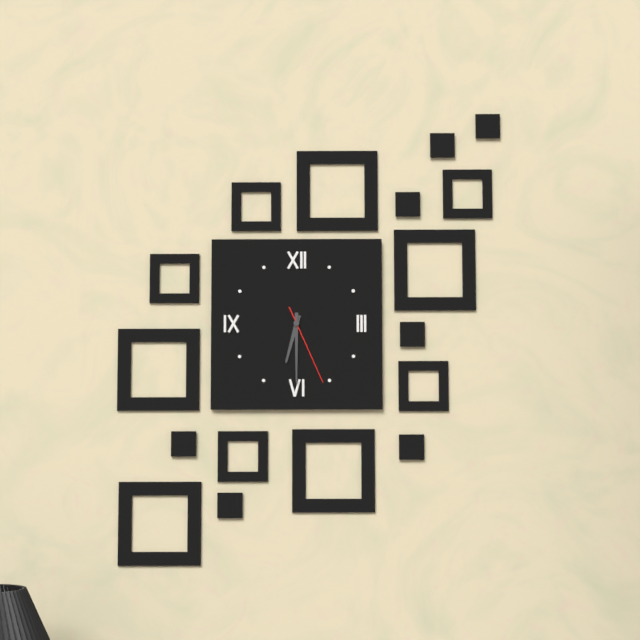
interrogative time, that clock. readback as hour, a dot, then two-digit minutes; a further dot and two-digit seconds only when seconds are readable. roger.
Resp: 6.30.26
